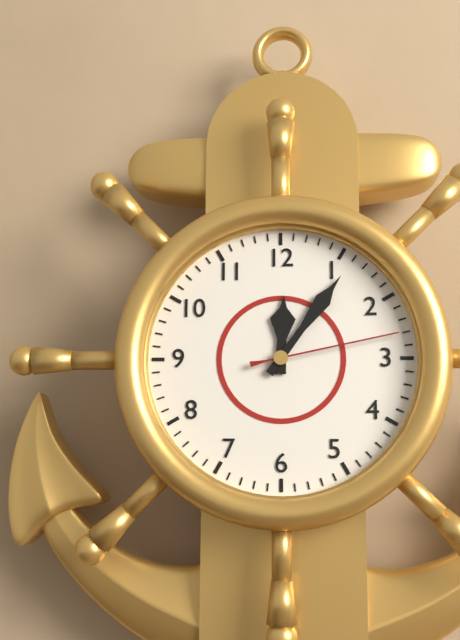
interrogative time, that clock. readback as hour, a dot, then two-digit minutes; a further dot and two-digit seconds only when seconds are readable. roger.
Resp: 12.06.13
